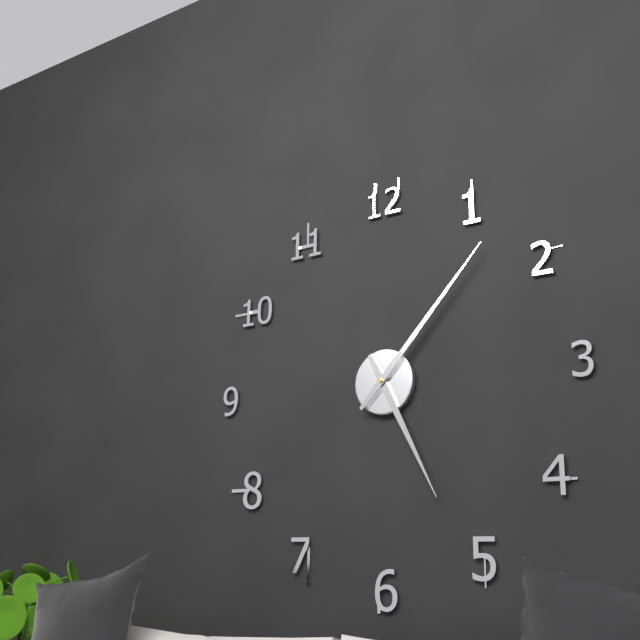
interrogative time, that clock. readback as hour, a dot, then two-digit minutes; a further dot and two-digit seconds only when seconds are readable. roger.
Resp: 5.07
